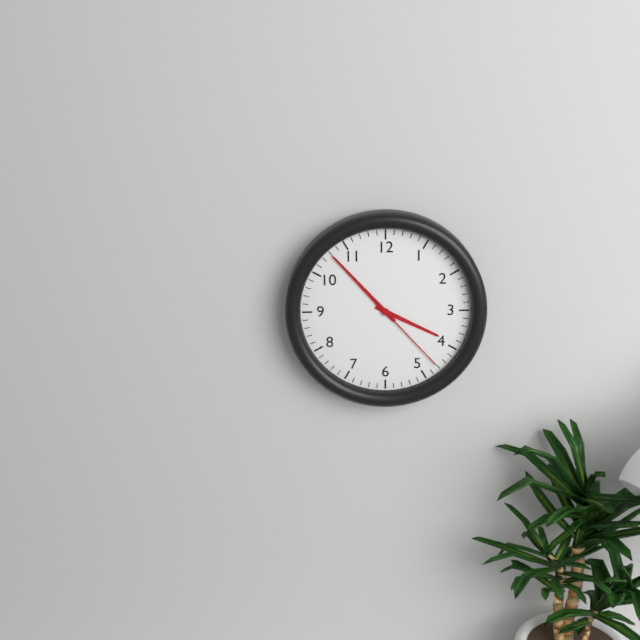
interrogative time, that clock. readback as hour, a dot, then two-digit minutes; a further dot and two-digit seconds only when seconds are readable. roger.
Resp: 3.53.23
